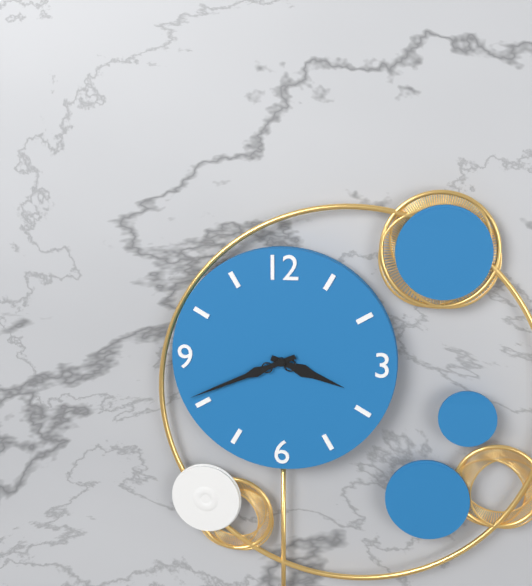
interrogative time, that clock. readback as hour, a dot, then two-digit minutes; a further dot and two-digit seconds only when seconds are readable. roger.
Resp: 3.41
